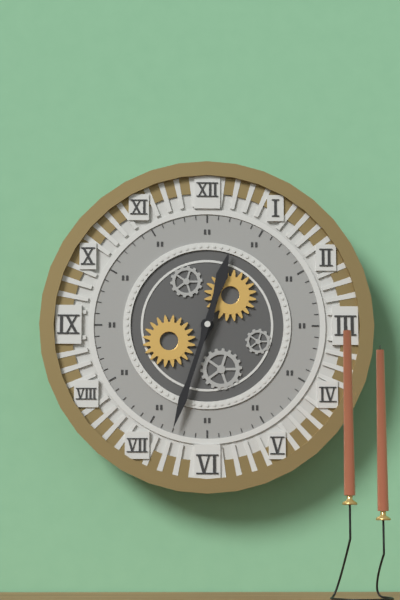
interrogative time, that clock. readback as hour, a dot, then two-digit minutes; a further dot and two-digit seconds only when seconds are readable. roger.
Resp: 12.33
